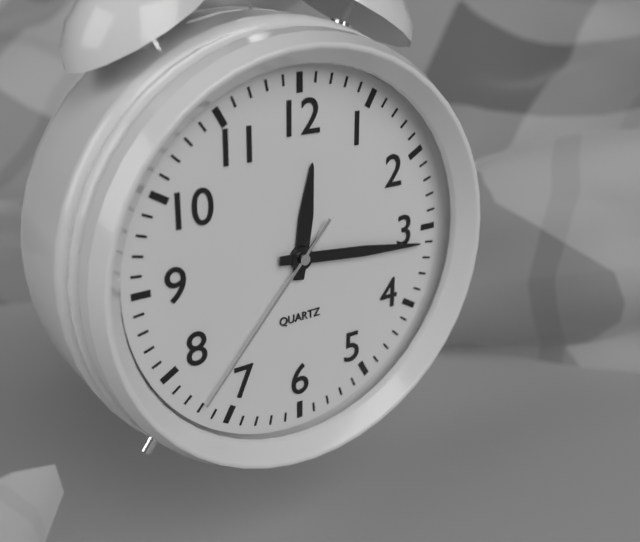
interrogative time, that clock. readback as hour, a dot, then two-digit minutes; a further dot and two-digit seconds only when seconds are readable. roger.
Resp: 12.16.37
